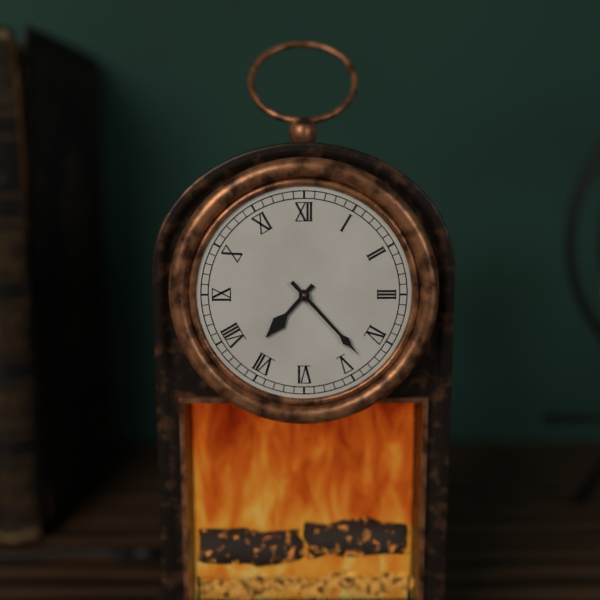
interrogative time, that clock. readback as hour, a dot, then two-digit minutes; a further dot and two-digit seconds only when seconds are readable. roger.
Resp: 7.23
